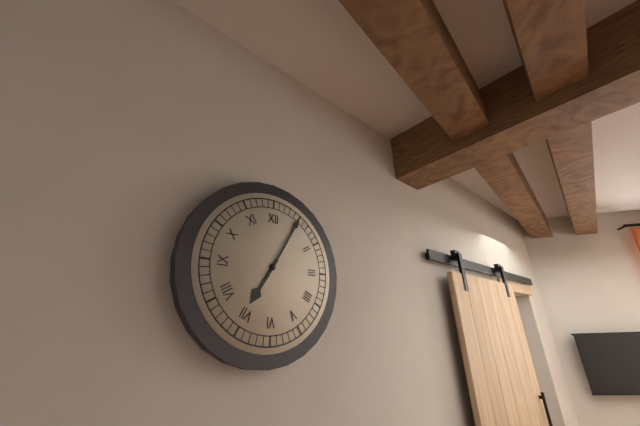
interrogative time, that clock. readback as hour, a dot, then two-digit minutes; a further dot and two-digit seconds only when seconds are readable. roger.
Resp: 7.05
